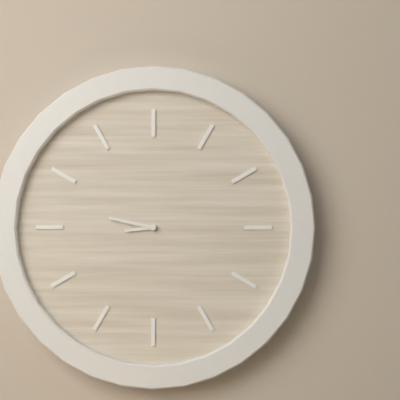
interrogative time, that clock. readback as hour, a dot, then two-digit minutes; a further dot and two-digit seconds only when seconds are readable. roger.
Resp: 8.47
